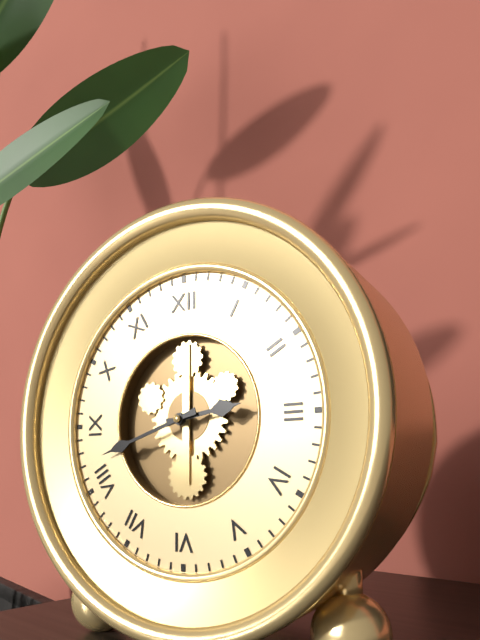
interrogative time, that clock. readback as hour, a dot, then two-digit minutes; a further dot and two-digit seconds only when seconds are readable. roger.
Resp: 2.42
